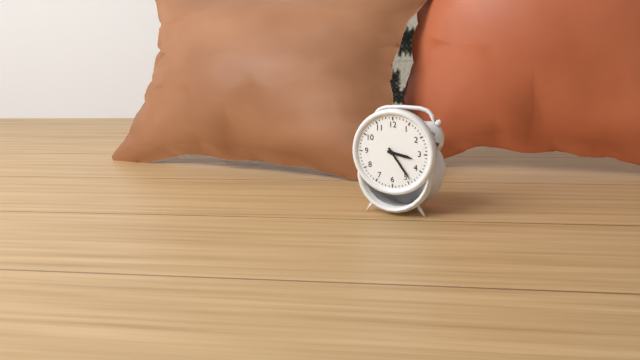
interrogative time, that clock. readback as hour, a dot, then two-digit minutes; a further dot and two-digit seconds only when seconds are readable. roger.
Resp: 3.24
